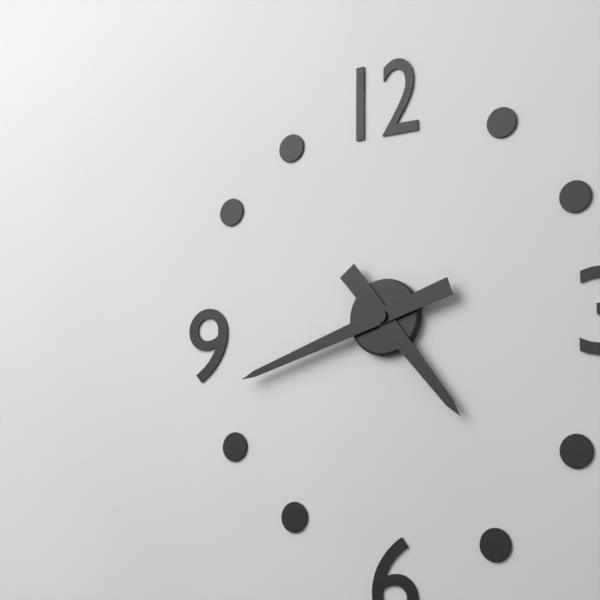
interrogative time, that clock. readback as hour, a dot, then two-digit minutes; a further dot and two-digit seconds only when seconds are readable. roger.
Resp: 4.42
